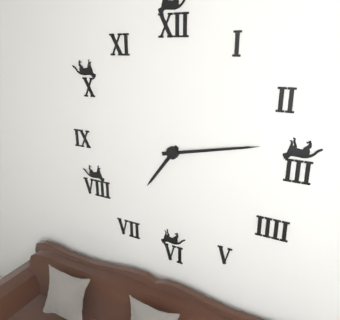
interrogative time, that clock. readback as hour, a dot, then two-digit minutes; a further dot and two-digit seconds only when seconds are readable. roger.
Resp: 7.13
